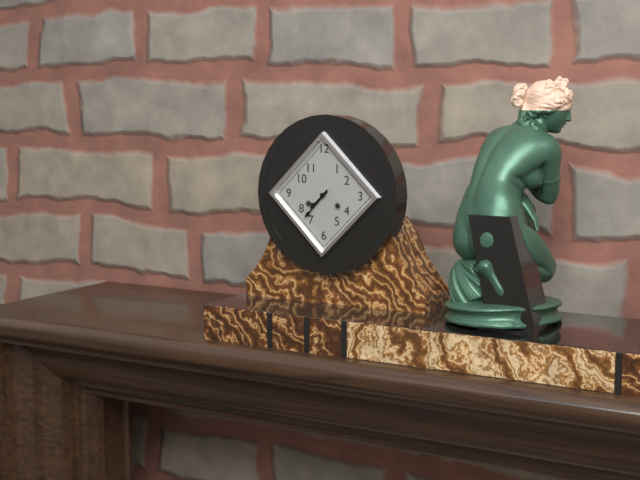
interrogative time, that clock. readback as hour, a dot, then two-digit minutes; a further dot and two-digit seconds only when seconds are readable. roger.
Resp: 7.37
